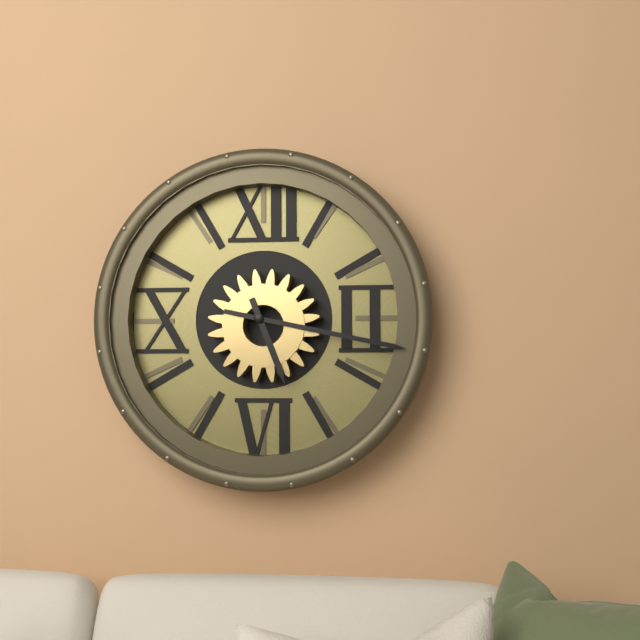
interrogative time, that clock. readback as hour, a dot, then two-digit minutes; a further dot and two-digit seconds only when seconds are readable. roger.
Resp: 5.17
